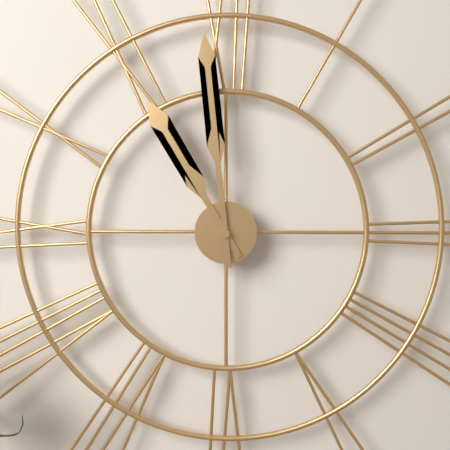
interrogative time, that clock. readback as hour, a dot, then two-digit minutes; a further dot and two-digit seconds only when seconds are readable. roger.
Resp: 10.59
